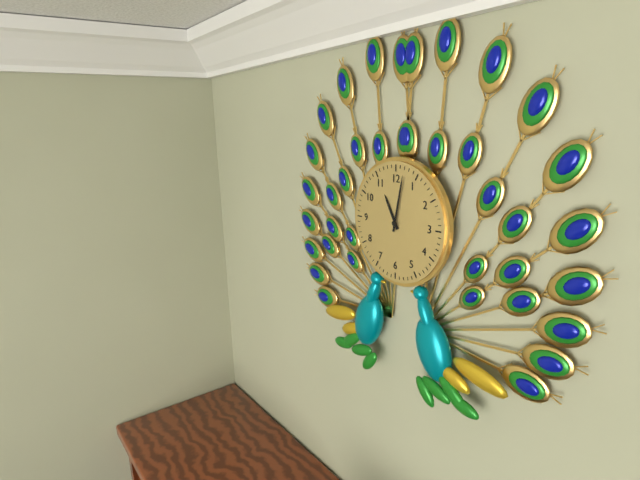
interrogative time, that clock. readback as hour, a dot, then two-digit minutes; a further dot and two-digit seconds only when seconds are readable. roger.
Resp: 11.02
